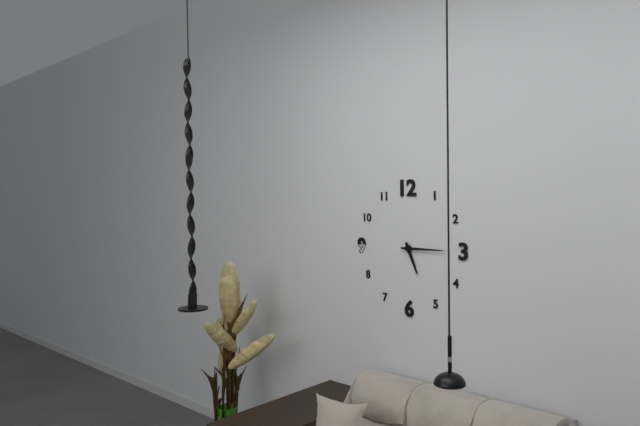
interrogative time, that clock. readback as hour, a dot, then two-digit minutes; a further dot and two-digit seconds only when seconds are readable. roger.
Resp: 5.15
